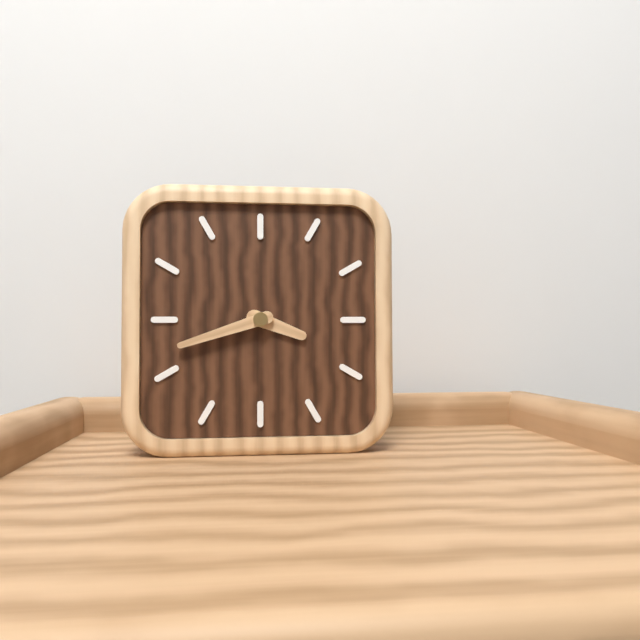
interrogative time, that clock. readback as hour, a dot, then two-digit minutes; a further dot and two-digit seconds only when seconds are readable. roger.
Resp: 3.42
